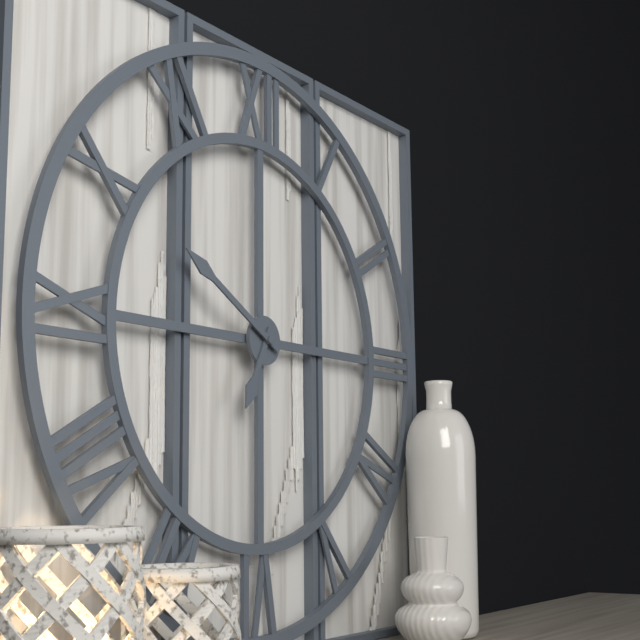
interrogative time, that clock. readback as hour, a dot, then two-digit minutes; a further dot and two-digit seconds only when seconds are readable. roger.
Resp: 6.50
